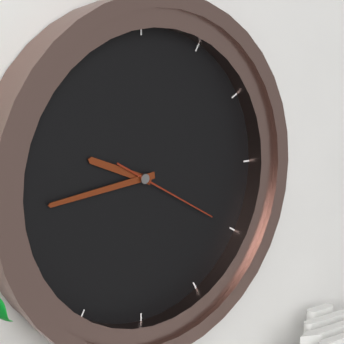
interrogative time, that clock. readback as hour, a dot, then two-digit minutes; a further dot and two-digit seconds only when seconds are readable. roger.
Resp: 9.44.20
